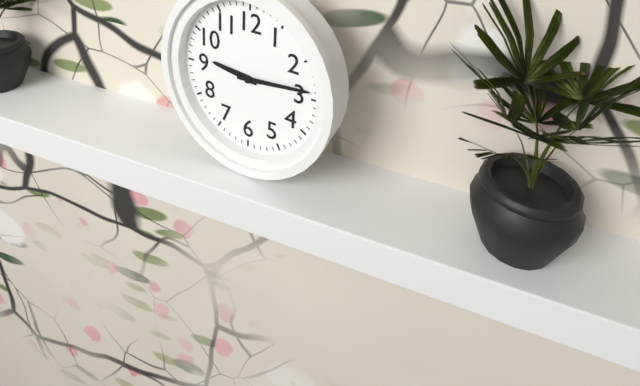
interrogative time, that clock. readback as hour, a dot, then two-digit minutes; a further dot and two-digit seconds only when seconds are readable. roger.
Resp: 9.14
